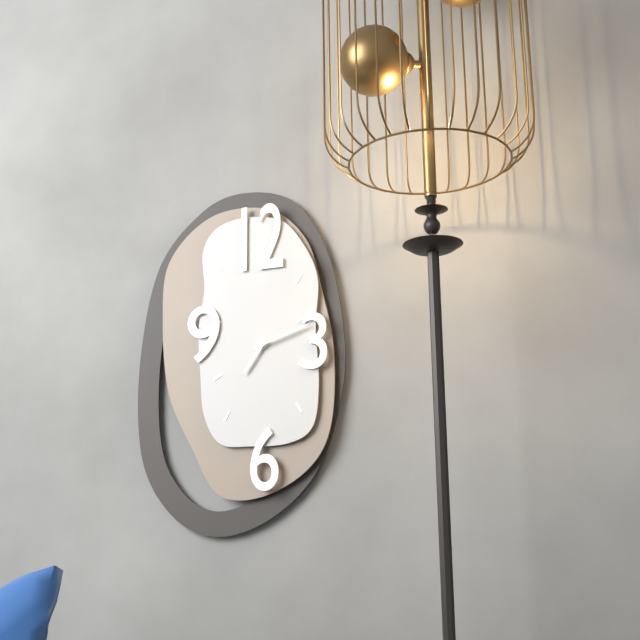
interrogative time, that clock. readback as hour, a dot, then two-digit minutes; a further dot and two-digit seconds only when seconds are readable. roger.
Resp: 7.12
